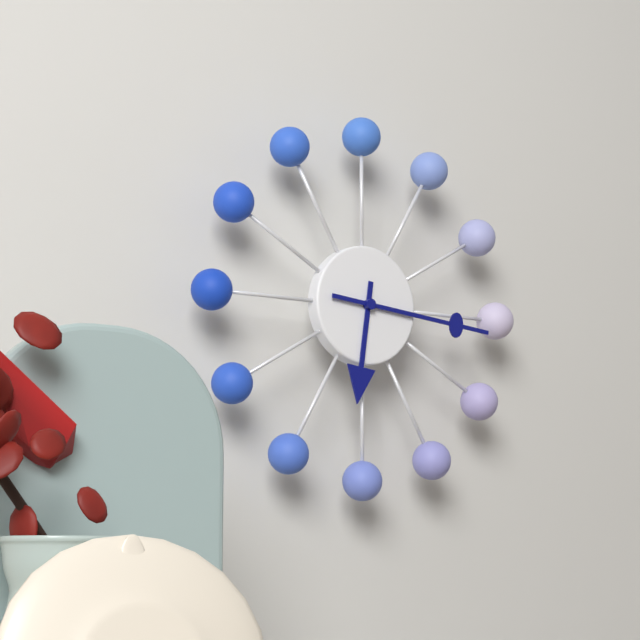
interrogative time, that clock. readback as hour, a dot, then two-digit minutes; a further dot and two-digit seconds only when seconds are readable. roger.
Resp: 6.16
